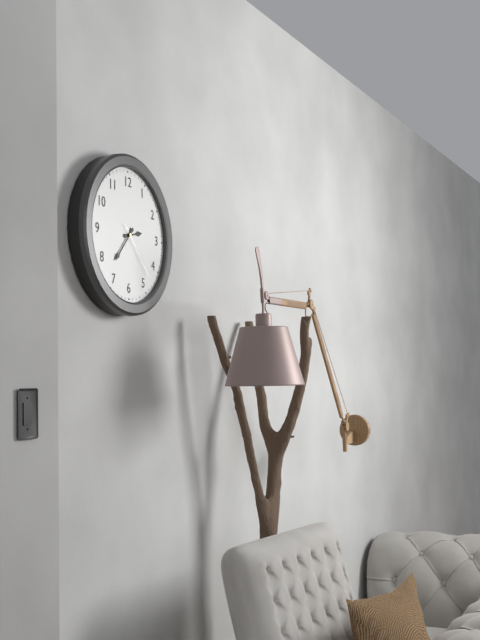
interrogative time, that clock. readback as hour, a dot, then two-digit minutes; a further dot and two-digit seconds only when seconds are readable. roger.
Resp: 2.37.23
